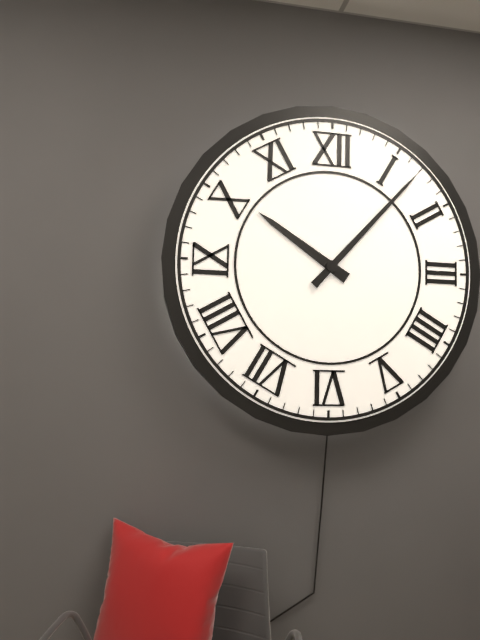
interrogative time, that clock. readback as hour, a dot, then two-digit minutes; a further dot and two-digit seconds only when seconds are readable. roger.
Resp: 10.07
